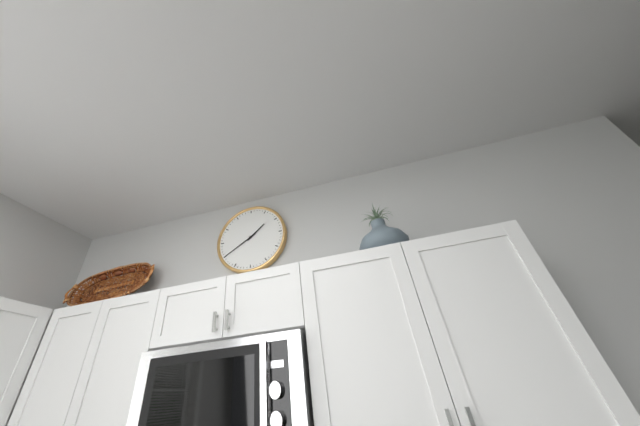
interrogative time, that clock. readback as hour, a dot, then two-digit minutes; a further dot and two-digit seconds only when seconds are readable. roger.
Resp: 1.40
